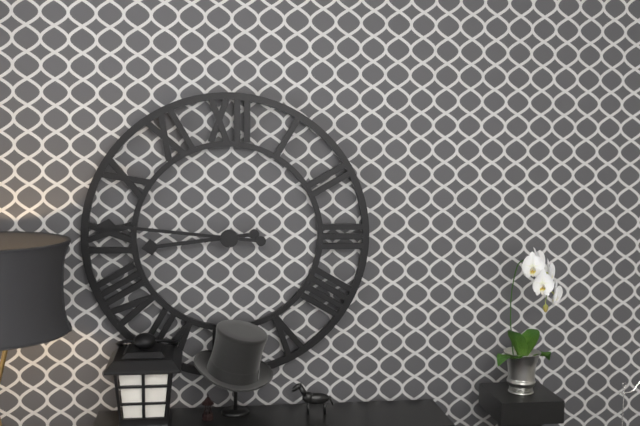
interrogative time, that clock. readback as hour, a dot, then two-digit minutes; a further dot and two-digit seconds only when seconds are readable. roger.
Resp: 8.46
